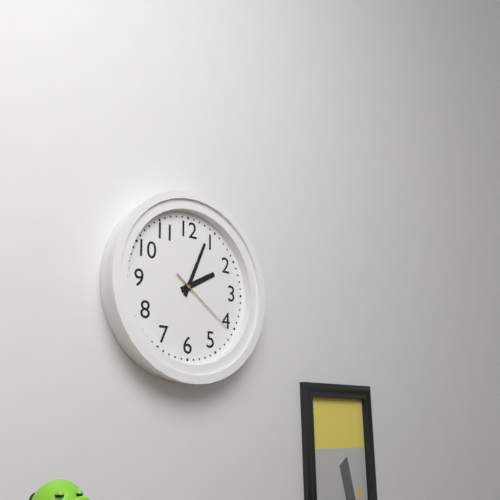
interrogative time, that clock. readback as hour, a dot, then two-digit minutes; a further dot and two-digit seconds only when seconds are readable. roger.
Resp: 2.04.21
